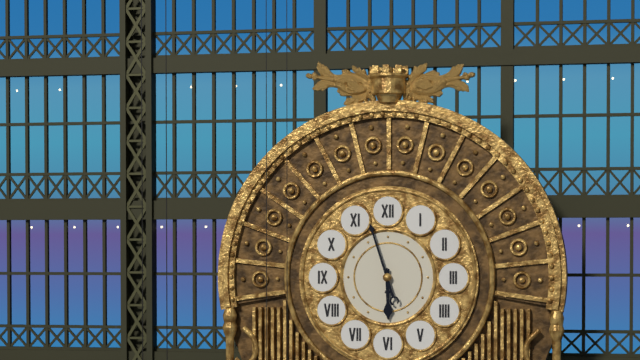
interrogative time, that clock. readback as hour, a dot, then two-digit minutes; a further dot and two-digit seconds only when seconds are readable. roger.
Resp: 5.57
